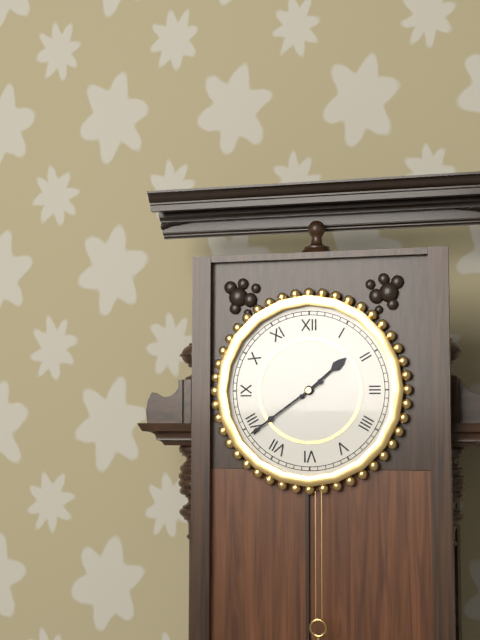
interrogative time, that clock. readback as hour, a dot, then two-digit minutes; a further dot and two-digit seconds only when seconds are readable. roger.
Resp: 1.39
